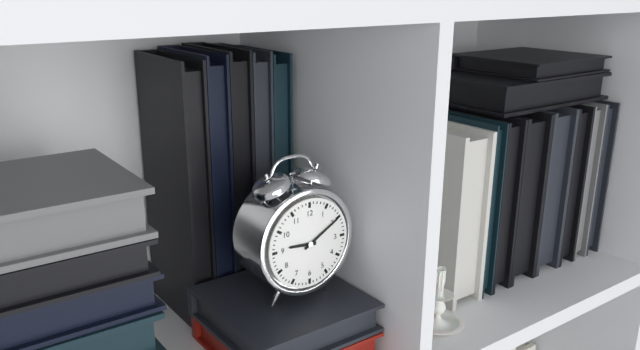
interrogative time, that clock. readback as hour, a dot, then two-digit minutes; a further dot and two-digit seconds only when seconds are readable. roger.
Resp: 9.10
